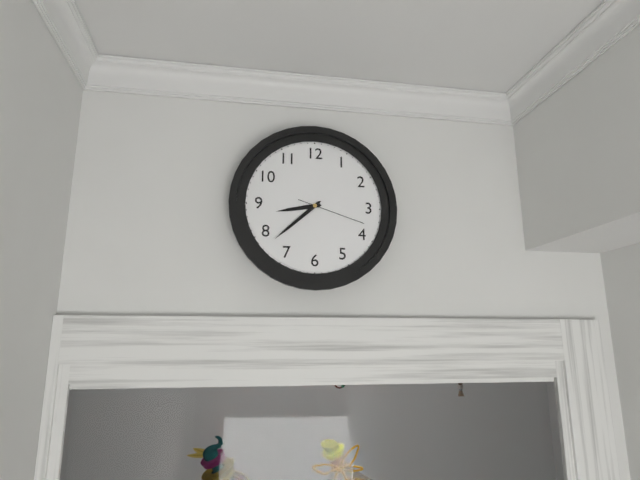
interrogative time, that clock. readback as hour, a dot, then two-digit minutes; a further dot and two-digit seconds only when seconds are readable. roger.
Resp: 8.38.18
